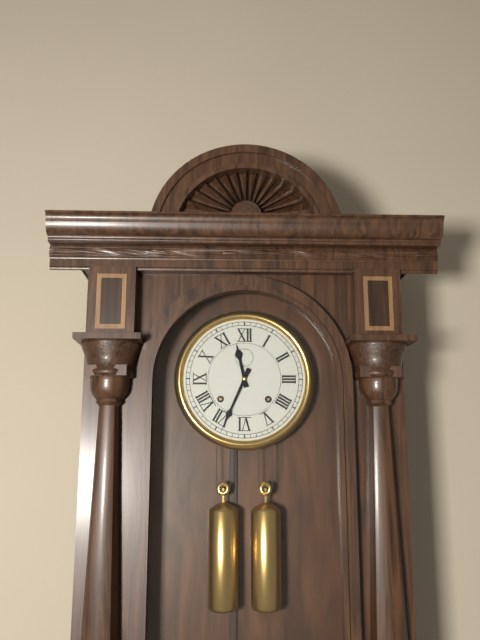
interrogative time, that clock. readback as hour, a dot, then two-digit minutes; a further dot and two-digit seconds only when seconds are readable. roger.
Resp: 11.34
